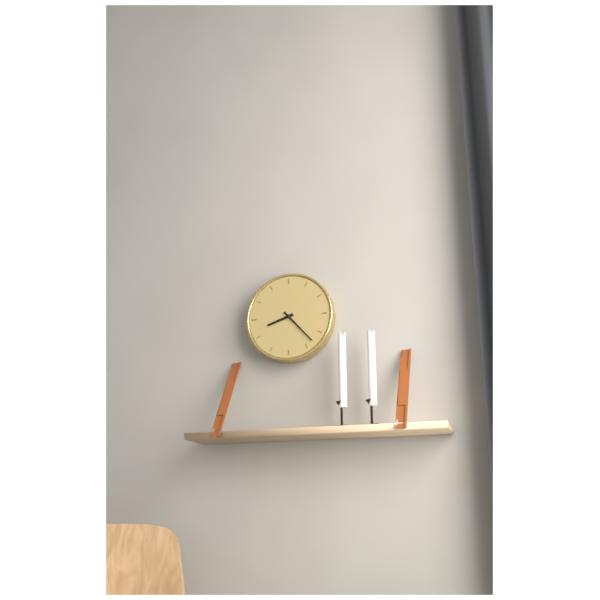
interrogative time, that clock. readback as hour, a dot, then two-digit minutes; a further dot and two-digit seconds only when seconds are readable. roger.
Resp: 8.23
